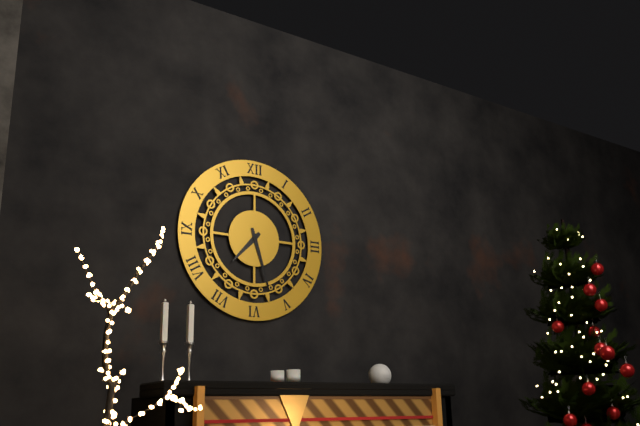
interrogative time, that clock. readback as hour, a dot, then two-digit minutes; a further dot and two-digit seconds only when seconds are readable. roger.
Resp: 7.27
